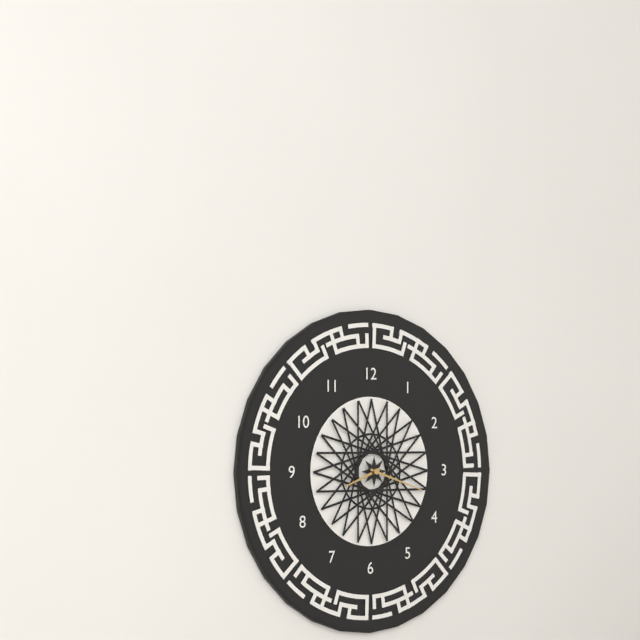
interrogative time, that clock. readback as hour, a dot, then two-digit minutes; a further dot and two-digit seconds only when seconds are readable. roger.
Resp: 8.18
